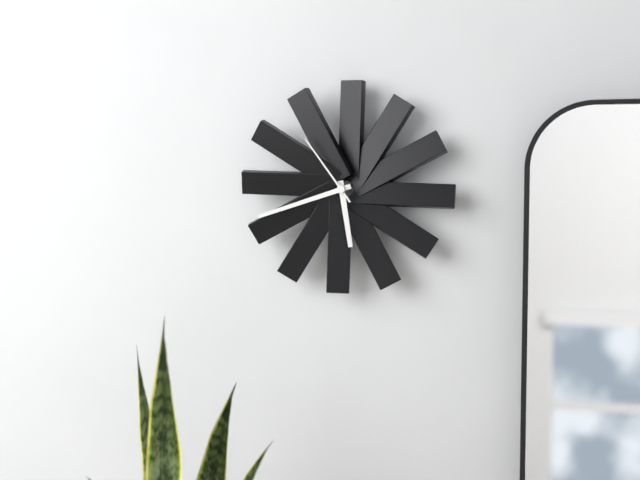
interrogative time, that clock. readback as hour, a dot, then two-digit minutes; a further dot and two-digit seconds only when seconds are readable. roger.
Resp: 5.42.54
